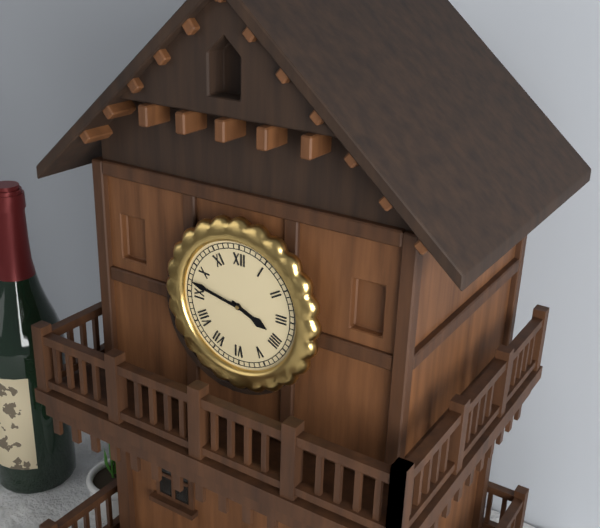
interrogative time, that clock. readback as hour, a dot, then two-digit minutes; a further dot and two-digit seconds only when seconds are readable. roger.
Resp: 3.47
